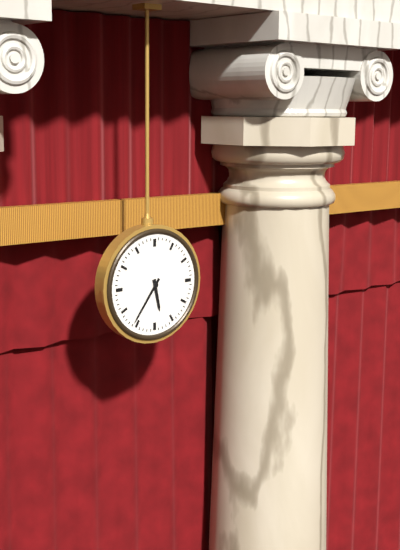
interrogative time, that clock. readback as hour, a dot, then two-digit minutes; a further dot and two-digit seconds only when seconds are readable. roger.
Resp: 5.36
